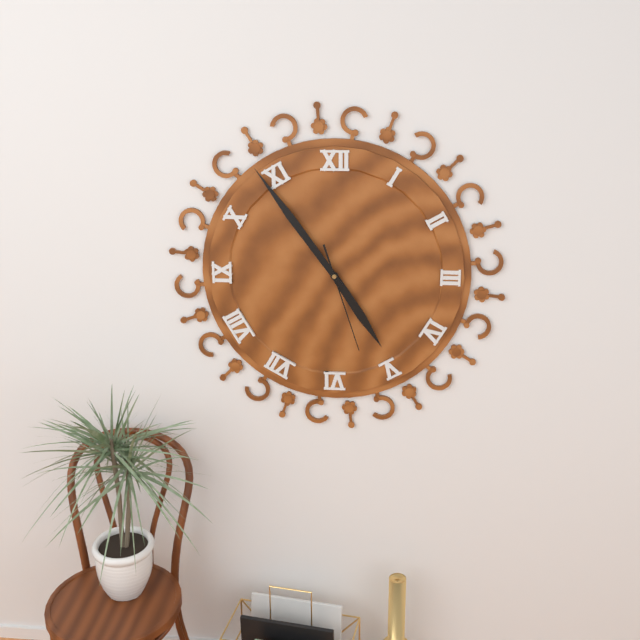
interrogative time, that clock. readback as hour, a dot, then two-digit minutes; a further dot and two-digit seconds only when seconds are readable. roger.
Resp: 4.54.27
